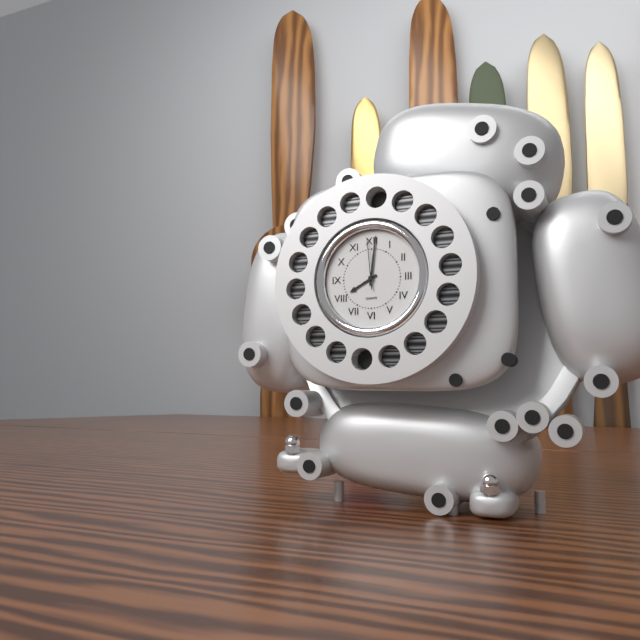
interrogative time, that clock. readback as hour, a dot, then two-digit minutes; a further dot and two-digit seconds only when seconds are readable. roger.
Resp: 8.01
